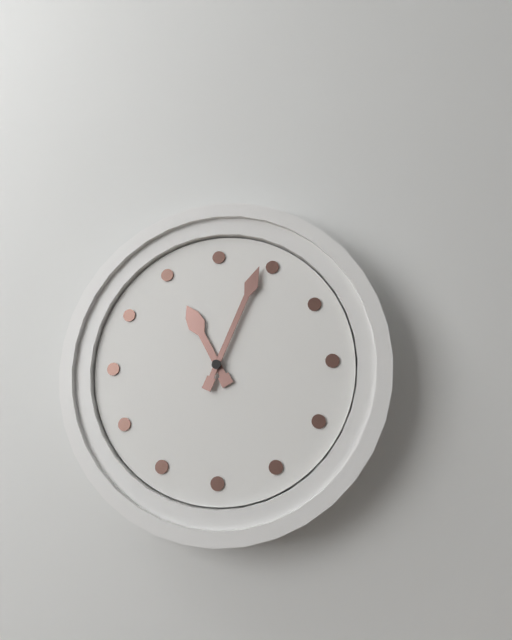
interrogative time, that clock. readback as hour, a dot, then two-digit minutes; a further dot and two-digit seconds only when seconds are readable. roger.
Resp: 11.04
